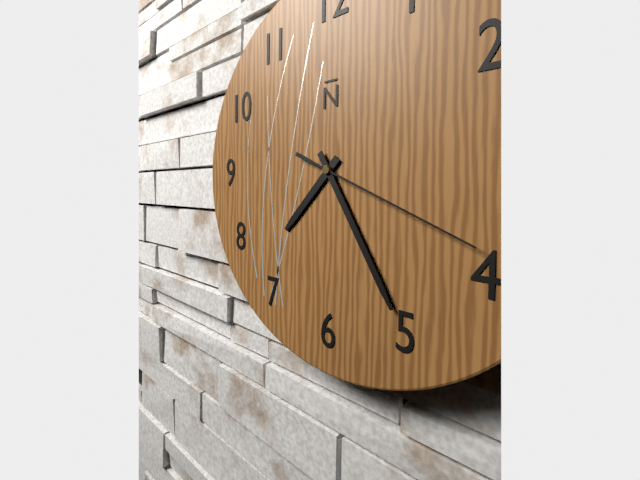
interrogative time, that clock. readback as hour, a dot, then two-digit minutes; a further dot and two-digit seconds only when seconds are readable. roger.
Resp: 7.25.19
